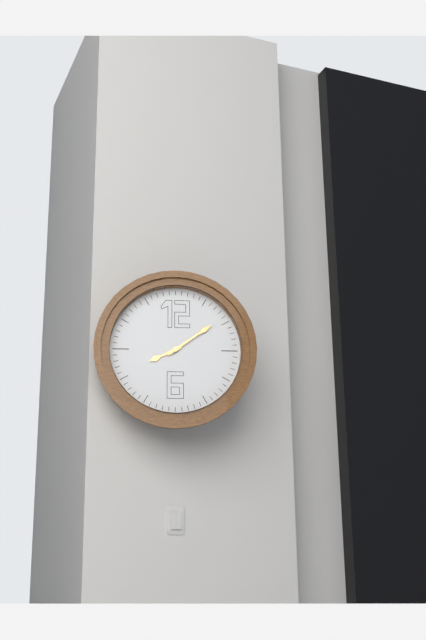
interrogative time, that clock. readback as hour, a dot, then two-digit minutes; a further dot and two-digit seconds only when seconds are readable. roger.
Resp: 8.09
